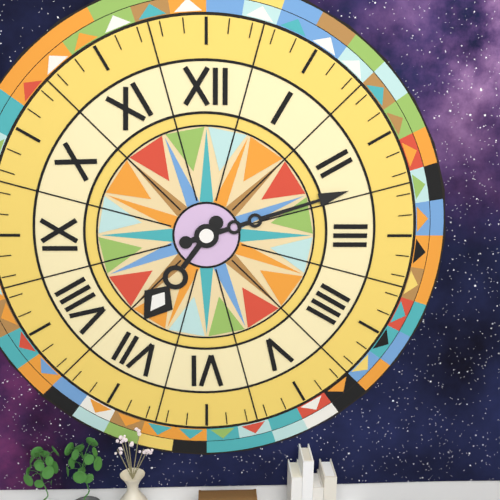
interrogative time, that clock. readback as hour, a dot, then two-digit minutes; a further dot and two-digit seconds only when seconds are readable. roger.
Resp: 7.12
